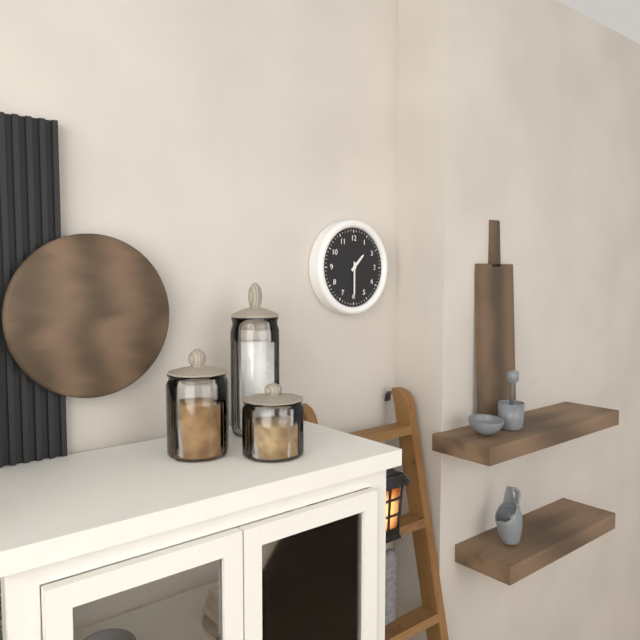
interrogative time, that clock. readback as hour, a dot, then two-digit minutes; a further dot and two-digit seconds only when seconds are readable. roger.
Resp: 1.30
